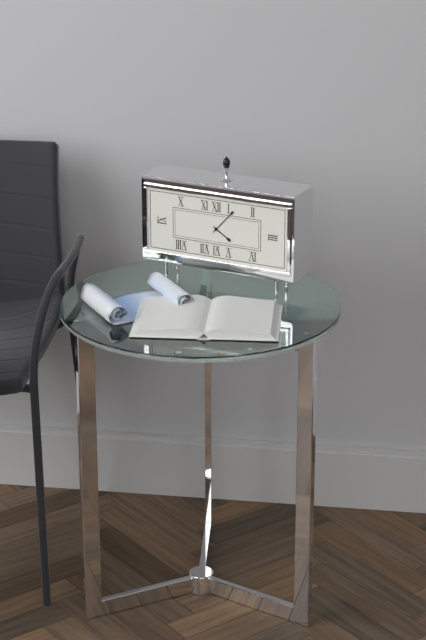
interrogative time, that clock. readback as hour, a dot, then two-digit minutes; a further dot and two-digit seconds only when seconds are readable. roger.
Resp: 4.07
